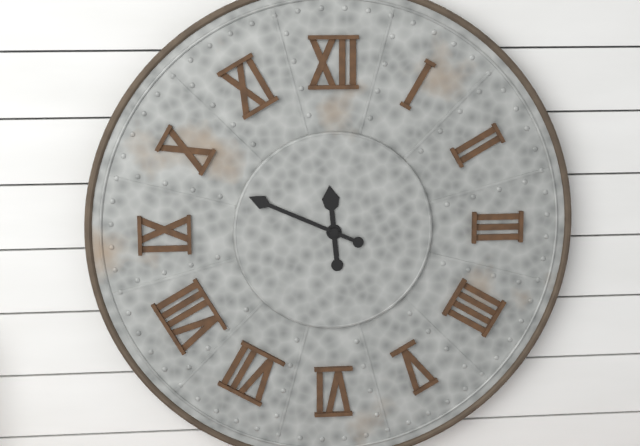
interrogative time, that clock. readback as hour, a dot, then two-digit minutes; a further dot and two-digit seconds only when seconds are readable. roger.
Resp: 11.49
